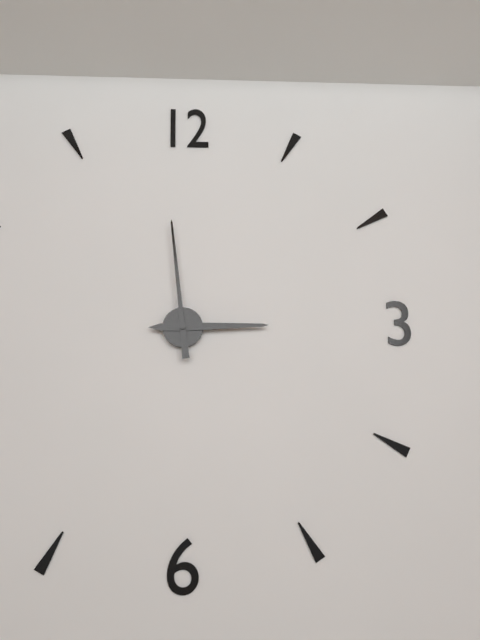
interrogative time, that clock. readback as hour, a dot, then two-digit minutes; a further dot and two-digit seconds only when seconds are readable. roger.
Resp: 2.59
